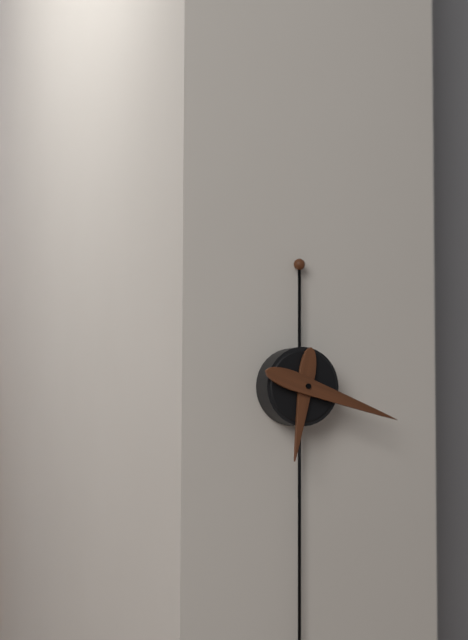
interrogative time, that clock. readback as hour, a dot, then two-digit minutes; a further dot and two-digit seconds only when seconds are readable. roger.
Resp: 6.18
